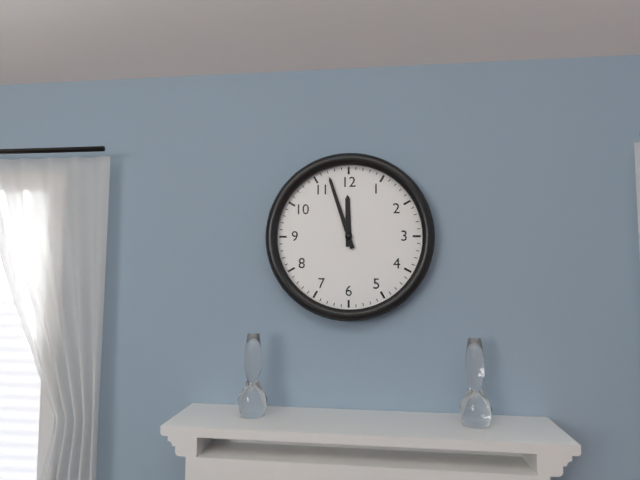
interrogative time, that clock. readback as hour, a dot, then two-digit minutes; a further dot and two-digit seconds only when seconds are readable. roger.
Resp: 11.57
